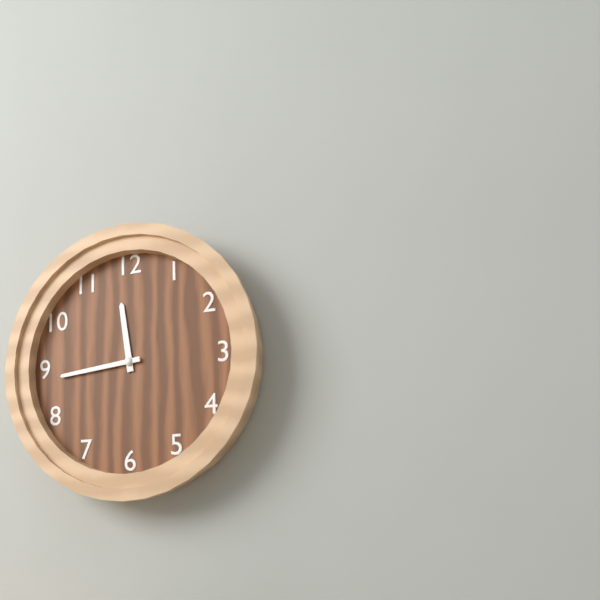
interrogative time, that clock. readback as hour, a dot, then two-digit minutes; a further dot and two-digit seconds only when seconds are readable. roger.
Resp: 11.44
